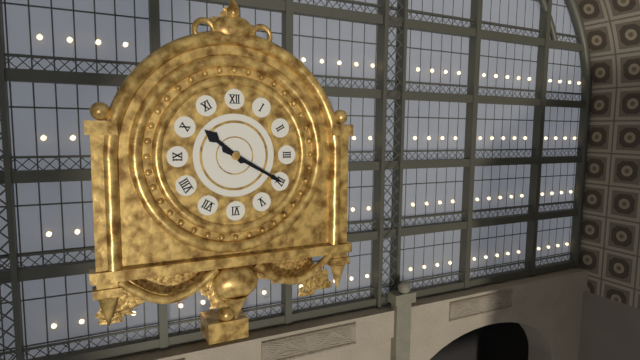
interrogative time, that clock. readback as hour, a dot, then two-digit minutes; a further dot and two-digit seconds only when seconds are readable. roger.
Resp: 10.20
